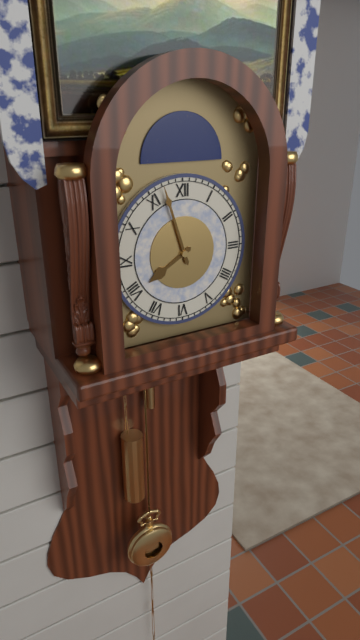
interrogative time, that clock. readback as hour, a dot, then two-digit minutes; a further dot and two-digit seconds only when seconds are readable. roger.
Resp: 7.57
